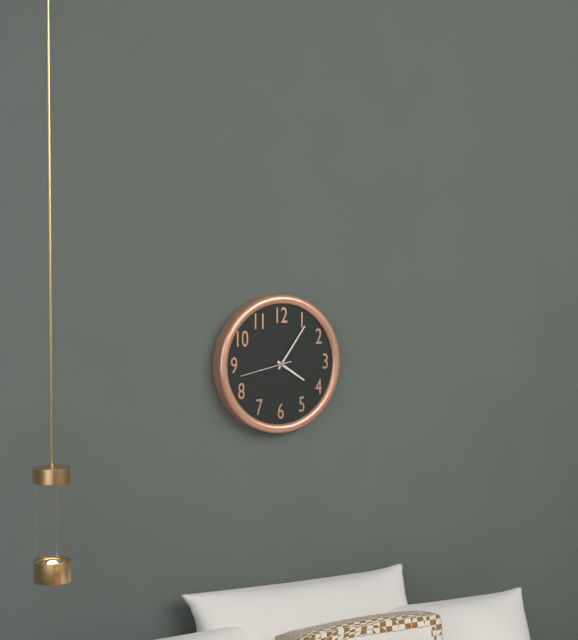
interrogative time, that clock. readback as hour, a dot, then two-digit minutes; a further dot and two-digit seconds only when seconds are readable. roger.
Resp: 4.06.43
